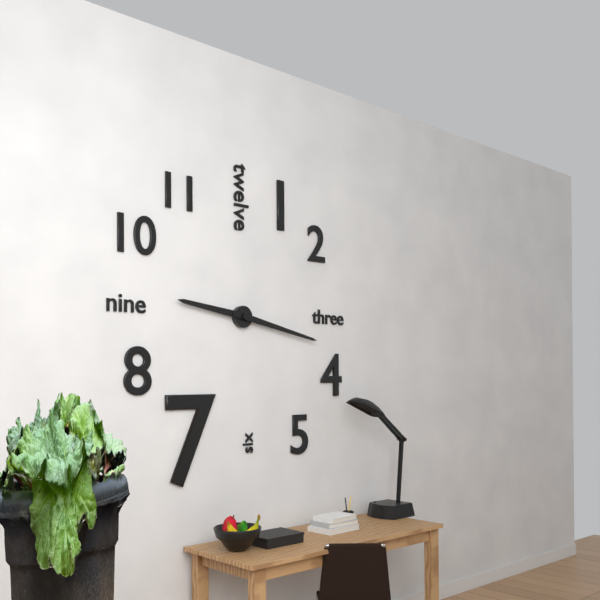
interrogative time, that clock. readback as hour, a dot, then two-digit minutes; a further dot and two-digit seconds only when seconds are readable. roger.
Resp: 9.17
